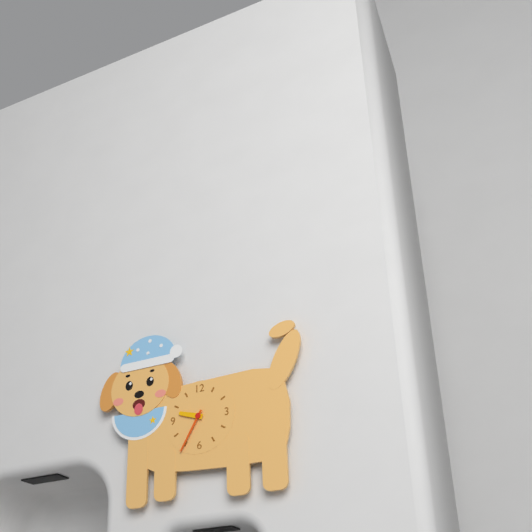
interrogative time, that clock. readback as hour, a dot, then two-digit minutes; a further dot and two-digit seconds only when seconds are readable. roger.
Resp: 9.35
